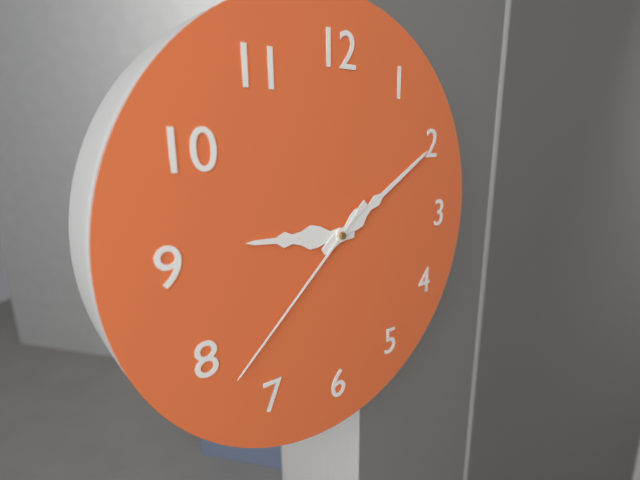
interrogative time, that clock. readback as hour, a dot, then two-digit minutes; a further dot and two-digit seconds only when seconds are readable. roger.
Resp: 9.10.38
